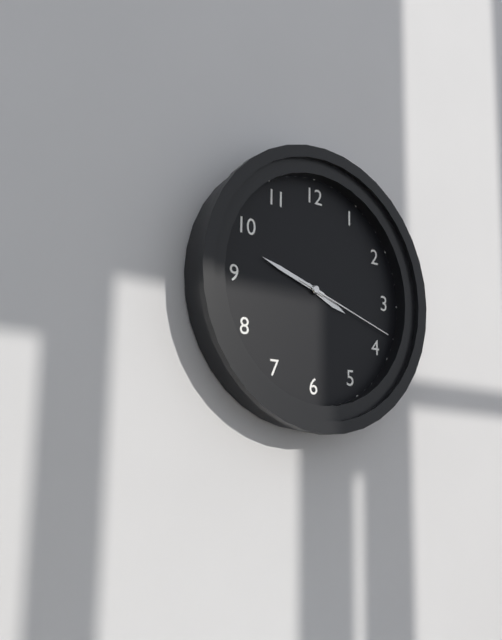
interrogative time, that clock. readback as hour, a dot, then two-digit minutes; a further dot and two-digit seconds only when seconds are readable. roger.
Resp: 3.48.18
